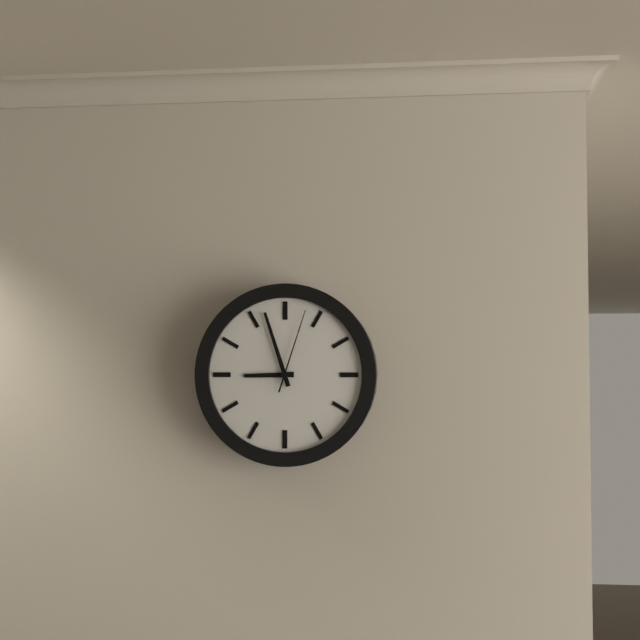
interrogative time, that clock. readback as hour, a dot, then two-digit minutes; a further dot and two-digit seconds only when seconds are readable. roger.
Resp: 8.57.03
